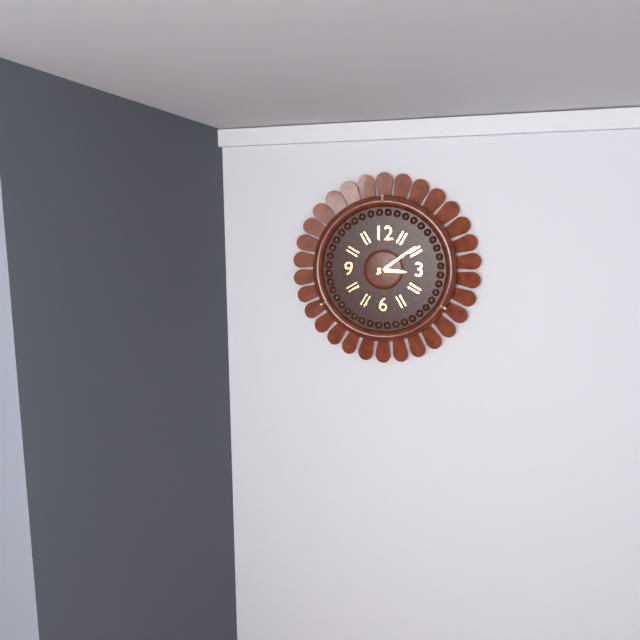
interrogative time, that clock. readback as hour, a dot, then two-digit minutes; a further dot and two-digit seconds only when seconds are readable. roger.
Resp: 3.09
